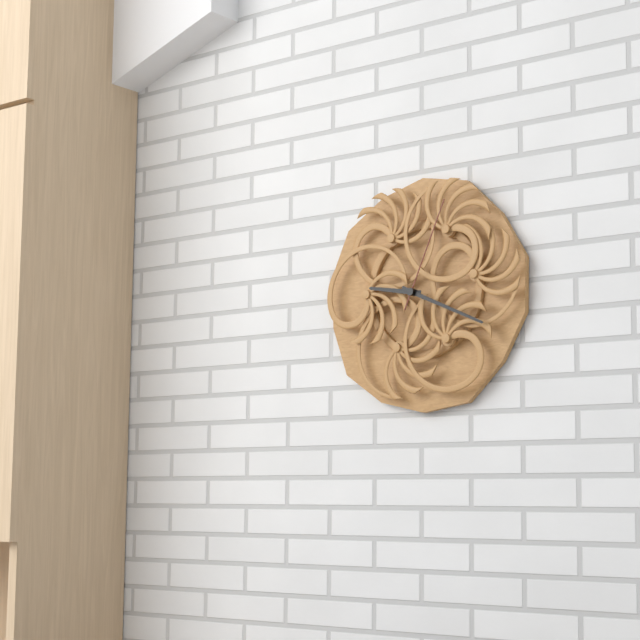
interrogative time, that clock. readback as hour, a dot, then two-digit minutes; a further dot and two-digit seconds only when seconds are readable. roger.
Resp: 9.19.04
